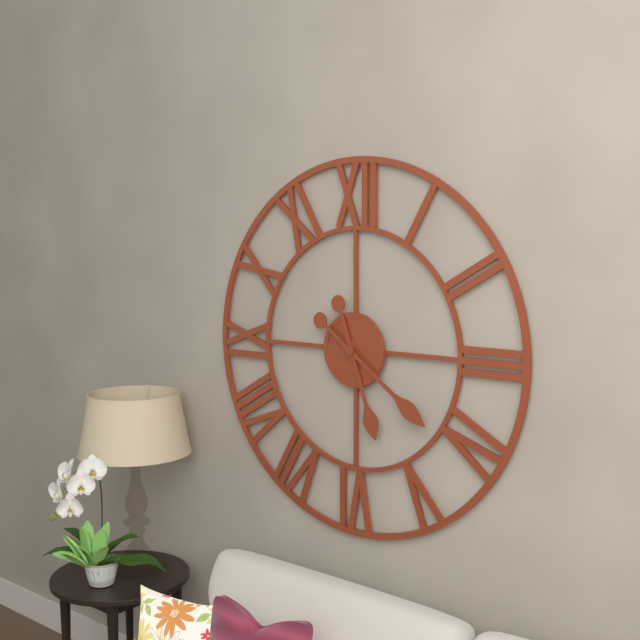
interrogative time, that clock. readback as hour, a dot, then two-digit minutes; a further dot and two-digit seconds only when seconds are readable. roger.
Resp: 5.21
